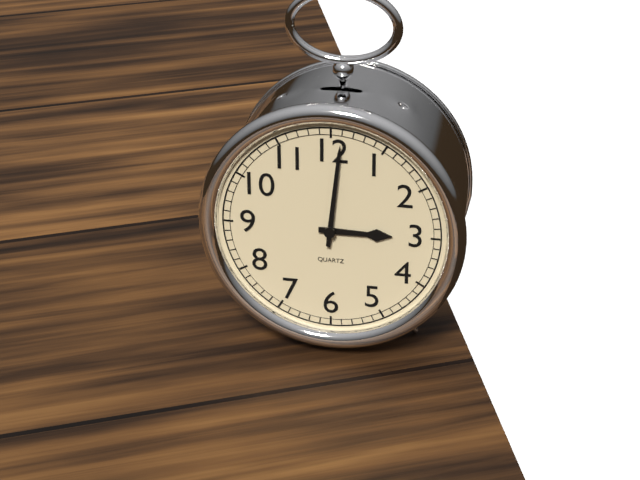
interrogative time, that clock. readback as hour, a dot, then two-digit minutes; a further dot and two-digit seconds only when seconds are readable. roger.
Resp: 3.01
